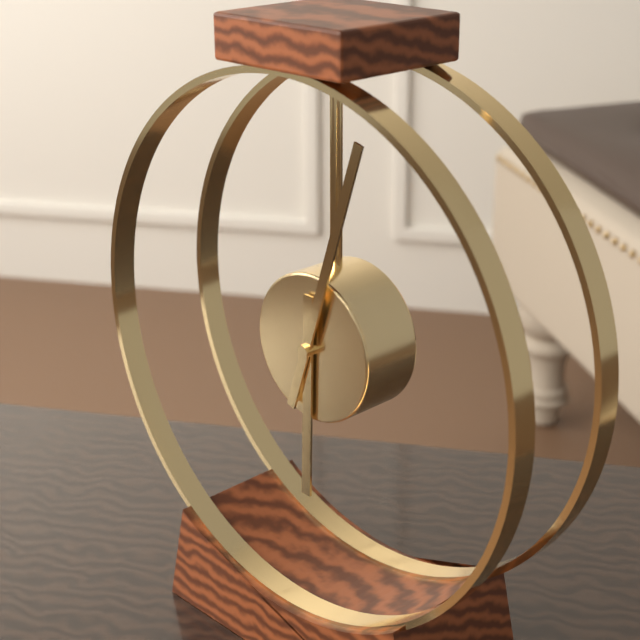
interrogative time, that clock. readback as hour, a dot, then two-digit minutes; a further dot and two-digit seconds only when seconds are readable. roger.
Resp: 6.03
